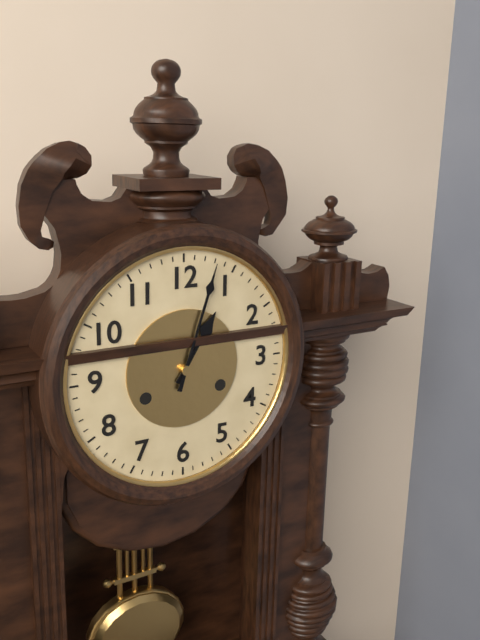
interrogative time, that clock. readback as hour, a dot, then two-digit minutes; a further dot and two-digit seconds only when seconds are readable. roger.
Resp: 1.03
